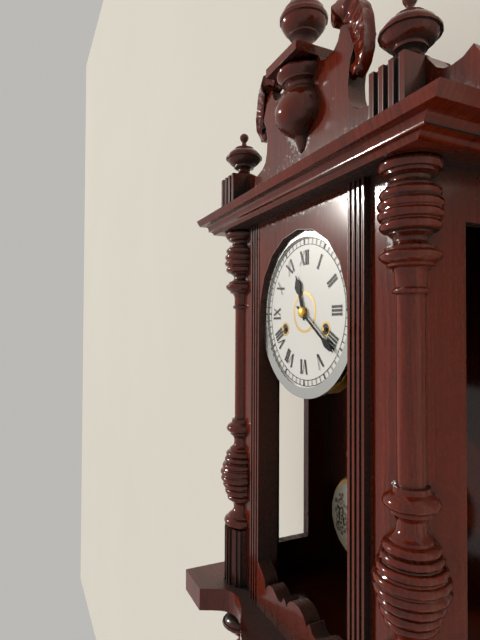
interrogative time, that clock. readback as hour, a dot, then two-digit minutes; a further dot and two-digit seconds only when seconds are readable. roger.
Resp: 11.21
